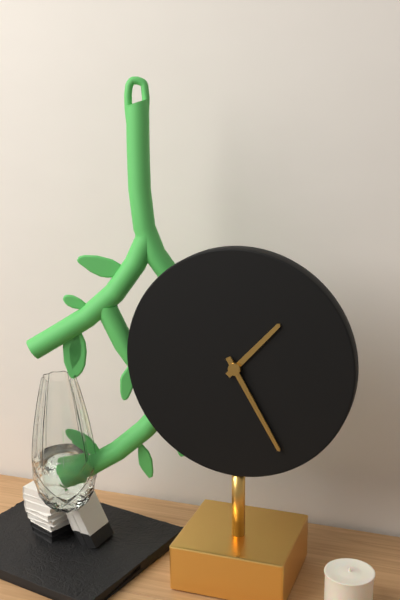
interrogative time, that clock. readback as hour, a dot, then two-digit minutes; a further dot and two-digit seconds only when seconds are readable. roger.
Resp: 1.25
